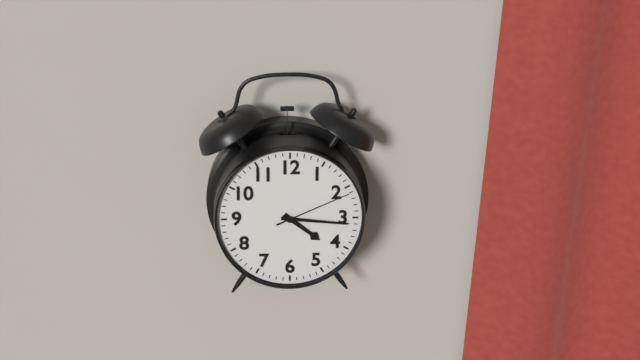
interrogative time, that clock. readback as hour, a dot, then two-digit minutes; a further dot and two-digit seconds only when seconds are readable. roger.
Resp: 4.16.11
